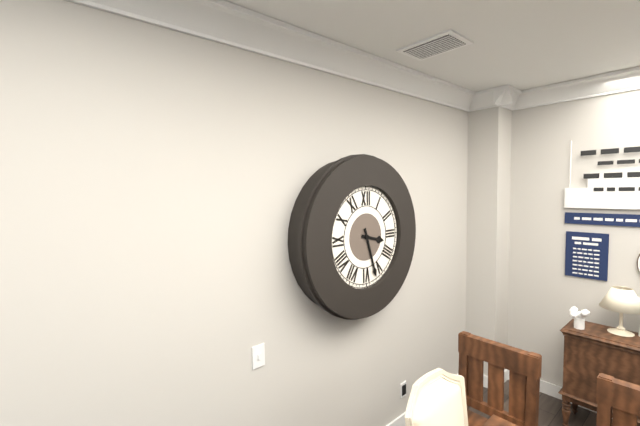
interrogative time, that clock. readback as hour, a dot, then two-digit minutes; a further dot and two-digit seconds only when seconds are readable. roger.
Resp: 3.27
